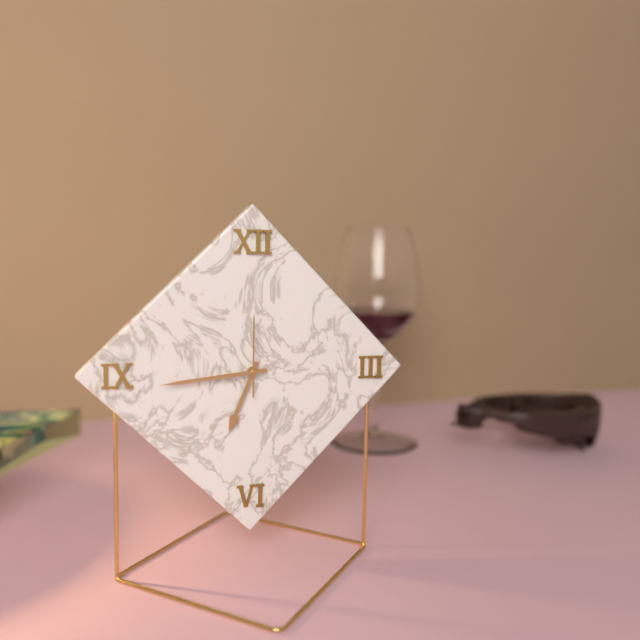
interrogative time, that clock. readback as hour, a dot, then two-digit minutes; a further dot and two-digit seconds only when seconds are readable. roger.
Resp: 6.44.00
